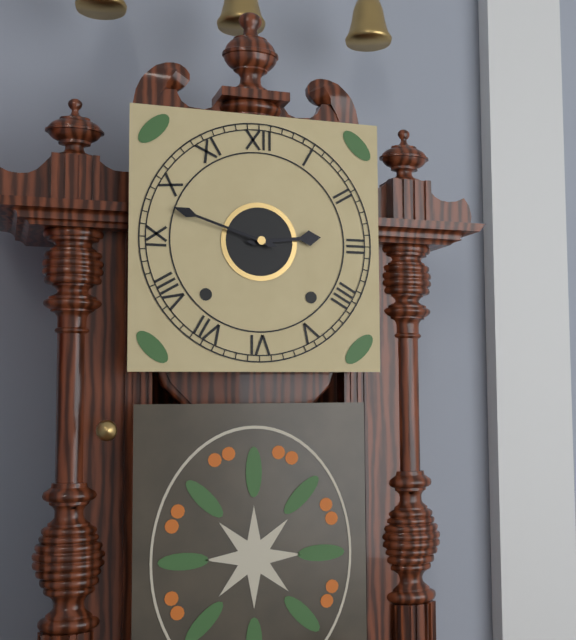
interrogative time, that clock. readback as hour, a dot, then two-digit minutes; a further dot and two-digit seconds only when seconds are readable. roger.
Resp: 2.48
